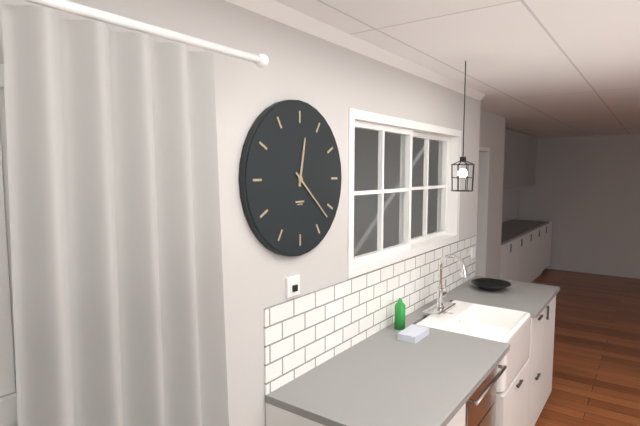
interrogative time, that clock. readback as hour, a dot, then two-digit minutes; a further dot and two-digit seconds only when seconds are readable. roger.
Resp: 12.22
